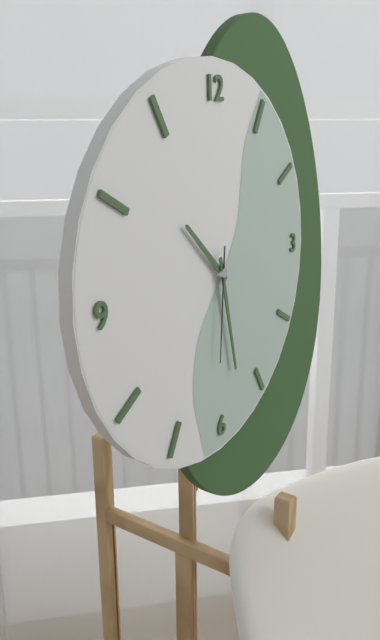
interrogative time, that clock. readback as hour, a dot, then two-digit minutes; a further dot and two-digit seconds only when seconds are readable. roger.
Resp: 10.28.31
